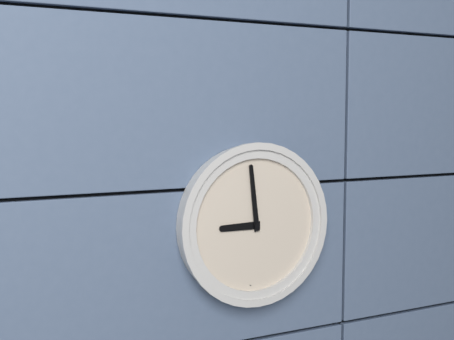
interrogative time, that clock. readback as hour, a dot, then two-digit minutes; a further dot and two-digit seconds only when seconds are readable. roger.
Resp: 8.59
